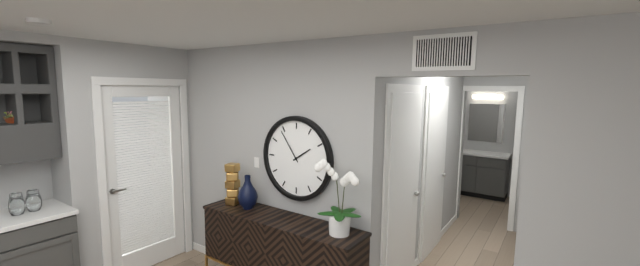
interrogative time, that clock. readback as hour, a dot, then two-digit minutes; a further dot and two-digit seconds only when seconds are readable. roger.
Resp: 1.54
